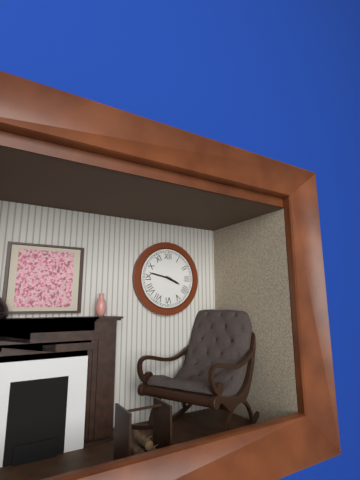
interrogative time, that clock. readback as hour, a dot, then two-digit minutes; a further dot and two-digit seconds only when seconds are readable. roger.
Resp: 3.47
